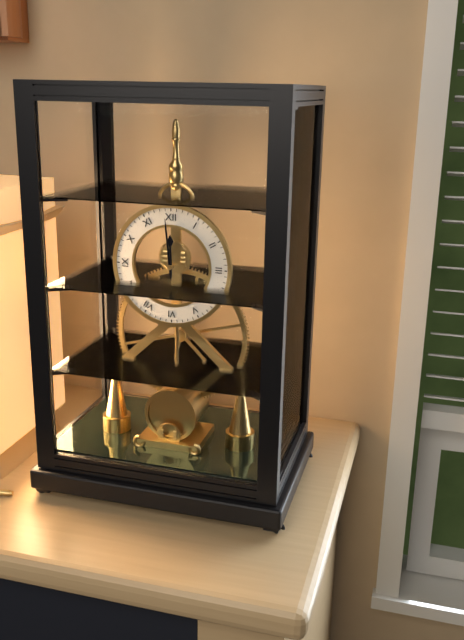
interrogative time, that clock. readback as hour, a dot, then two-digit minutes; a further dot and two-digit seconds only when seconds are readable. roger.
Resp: 11.59
